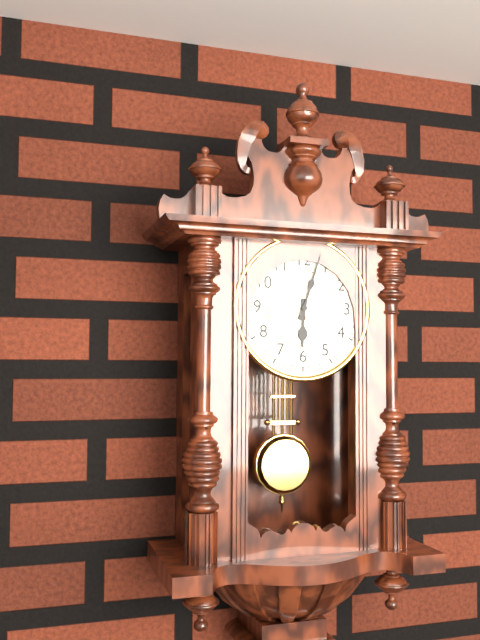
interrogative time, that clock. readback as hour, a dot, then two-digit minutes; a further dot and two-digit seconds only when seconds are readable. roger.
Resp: 6.03
